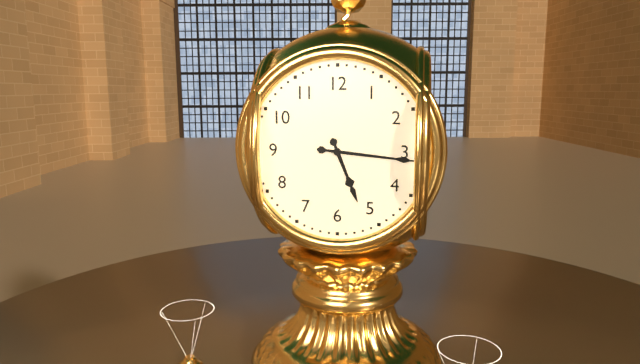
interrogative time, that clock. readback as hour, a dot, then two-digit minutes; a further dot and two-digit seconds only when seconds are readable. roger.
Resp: 5.16
